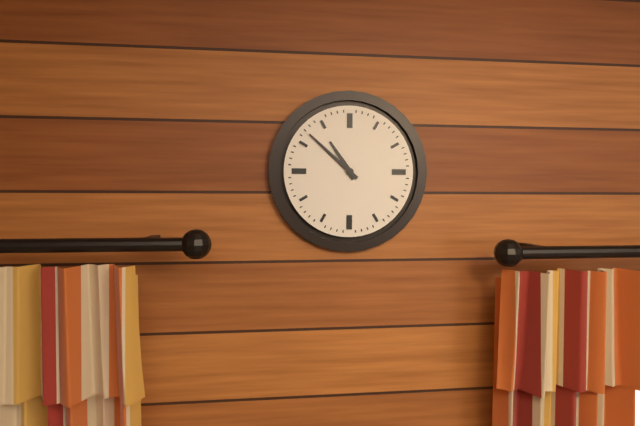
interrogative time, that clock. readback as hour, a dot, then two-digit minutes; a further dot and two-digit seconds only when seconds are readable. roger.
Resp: 10.52
